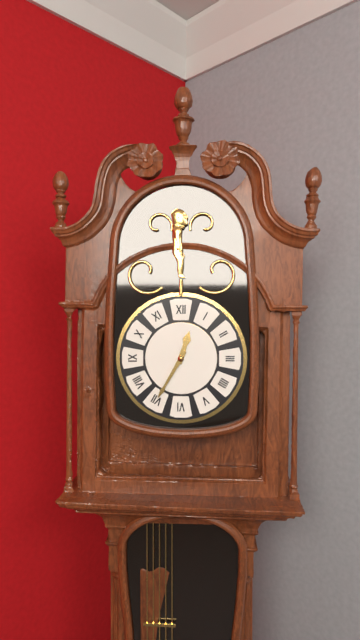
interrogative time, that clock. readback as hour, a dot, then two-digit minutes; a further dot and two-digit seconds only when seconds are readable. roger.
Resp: 12.35
